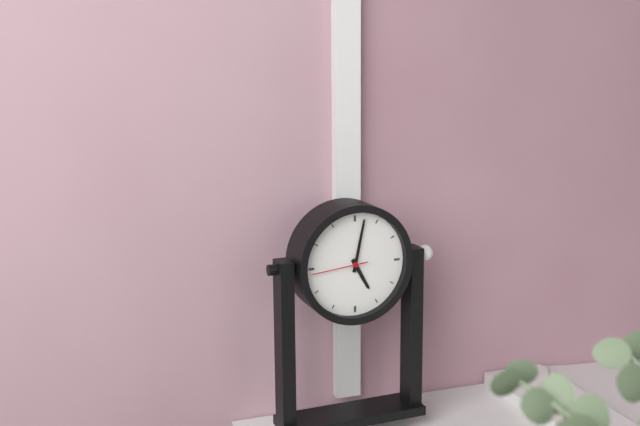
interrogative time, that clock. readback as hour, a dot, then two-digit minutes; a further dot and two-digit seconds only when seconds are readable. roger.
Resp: 5.02.44
